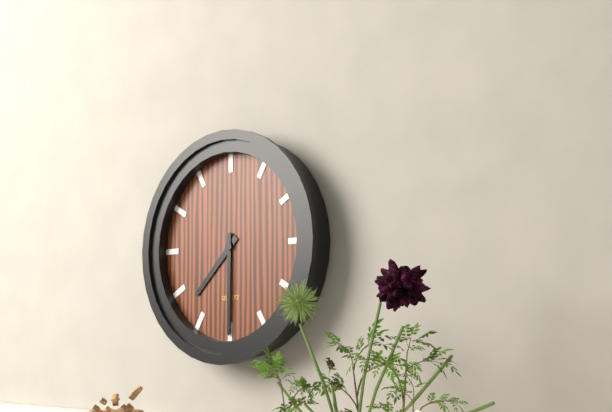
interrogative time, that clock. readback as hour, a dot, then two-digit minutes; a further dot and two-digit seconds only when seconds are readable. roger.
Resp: 7.30
